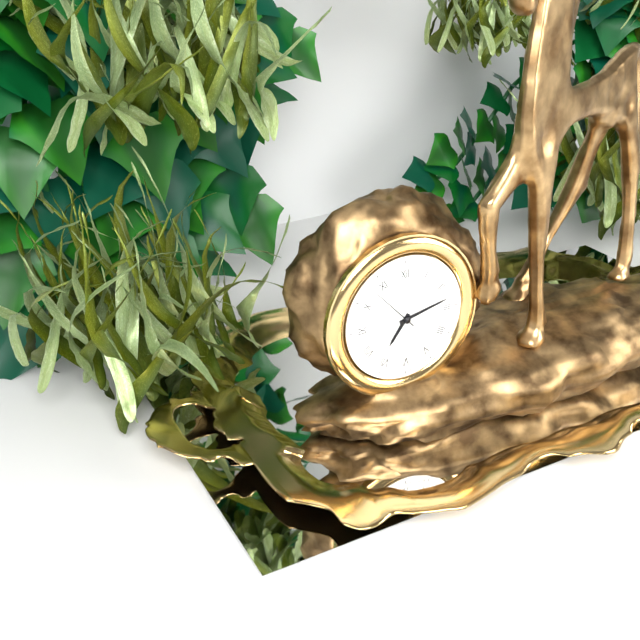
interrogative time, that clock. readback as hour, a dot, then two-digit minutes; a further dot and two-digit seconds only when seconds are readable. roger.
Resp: 7.13.53
